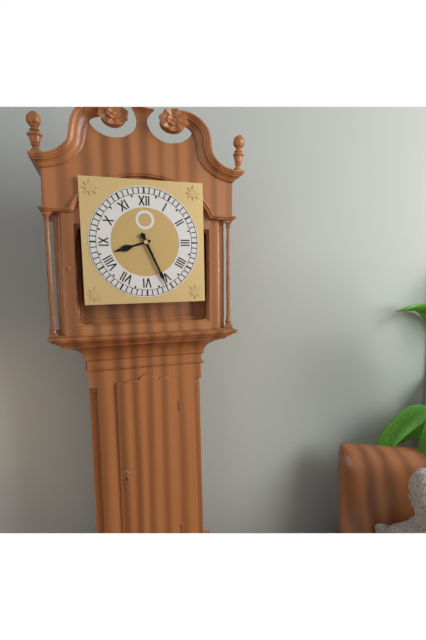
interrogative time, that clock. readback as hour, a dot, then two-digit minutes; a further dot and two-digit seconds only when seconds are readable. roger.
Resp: 8.26
